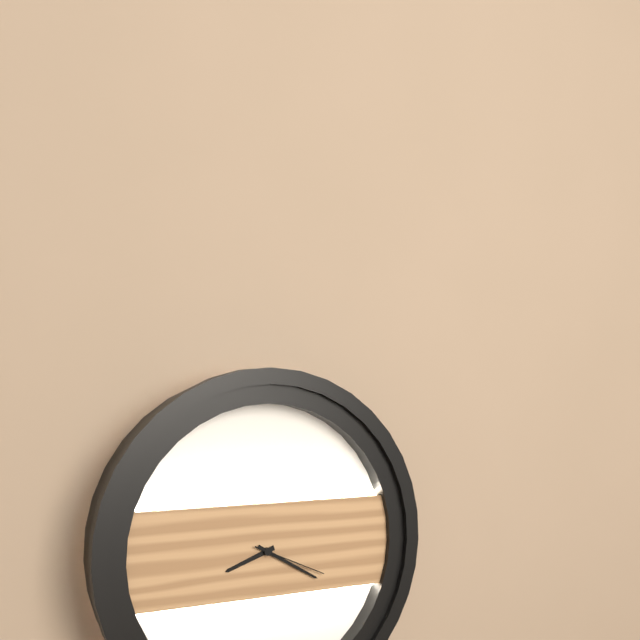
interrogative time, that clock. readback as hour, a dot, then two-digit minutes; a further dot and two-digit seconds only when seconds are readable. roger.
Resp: 8.20.19
